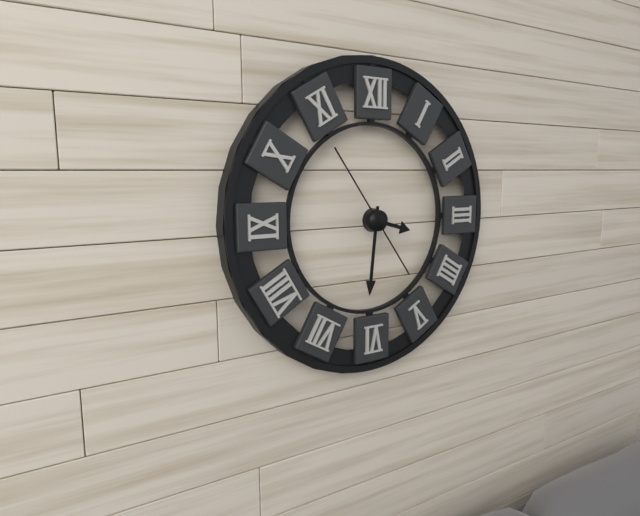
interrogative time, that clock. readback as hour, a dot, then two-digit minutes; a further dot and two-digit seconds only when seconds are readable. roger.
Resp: 3.31.54
